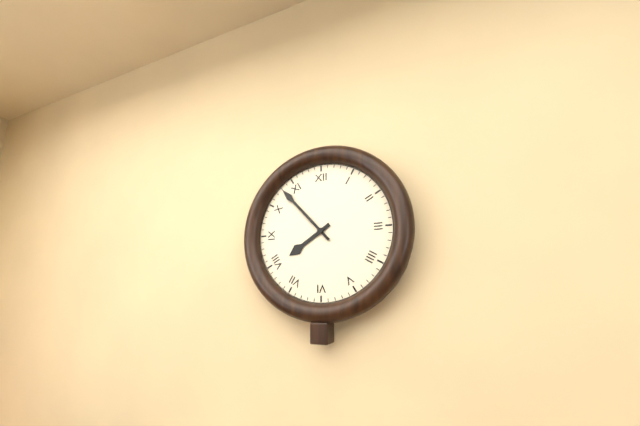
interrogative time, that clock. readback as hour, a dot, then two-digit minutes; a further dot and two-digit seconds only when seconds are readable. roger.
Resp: 7.53
